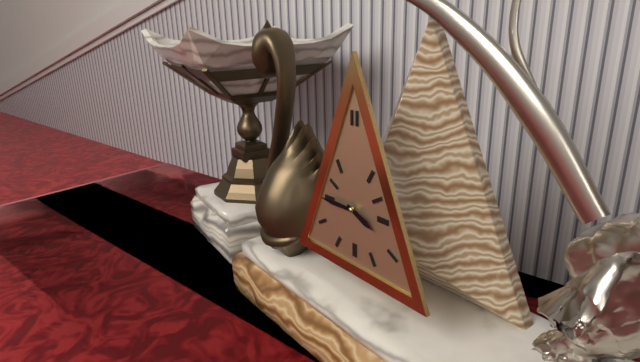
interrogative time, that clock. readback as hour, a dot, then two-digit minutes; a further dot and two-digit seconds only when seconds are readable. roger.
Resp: 3.45
